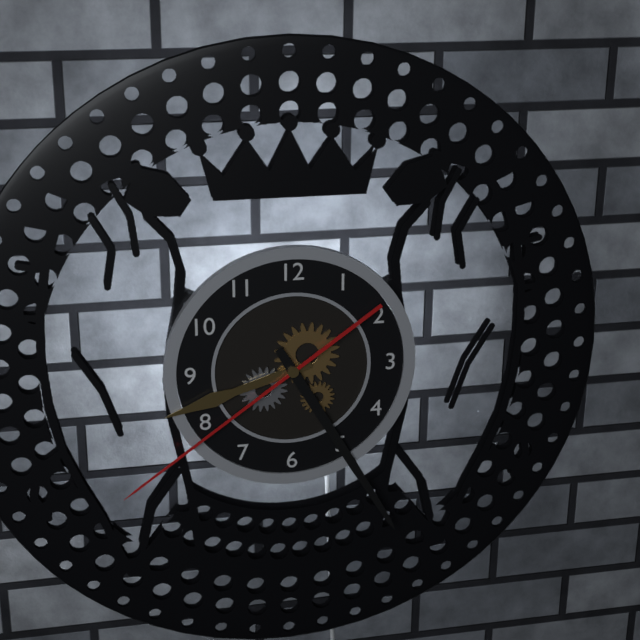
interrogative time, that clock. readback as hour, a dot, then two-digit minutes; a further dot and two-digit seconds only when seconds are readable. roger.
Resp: 8.25.39
